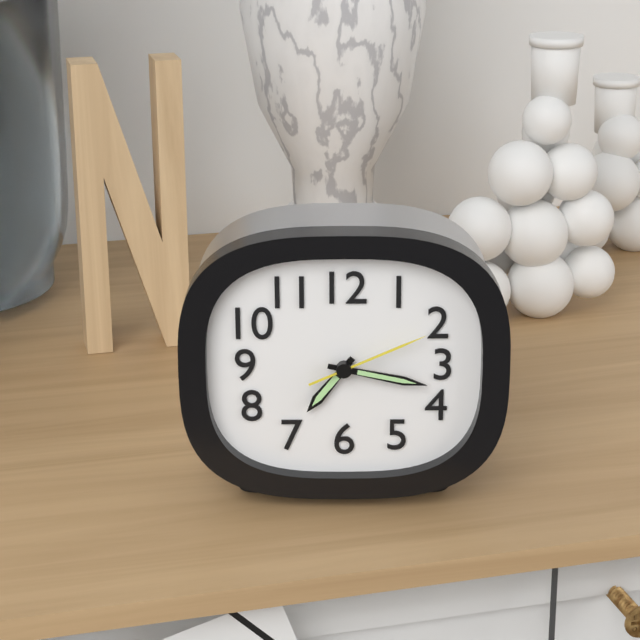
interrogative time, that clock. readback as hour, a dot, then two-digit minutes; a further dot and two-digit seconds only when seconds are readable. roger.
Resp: 7.17.11
